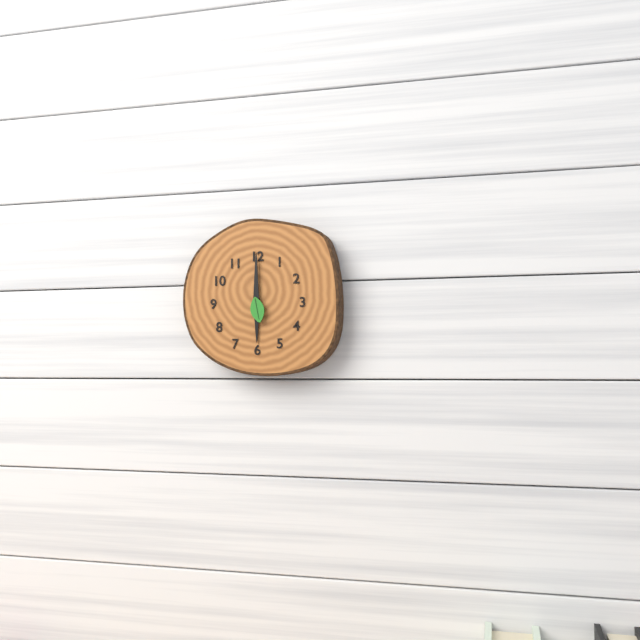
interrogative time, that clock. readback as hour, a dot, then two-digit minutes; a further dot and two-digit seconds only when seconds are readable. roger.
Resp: 6.00
